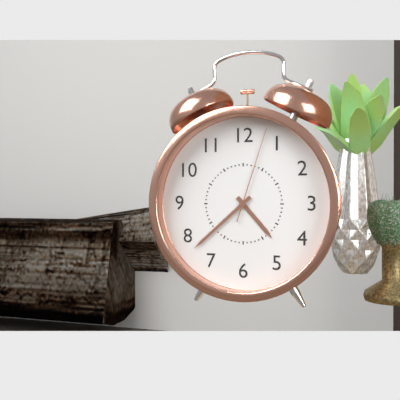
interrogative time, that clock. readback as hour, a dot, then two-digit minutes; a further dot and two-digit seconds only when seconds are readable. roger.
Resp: 4.38.03
